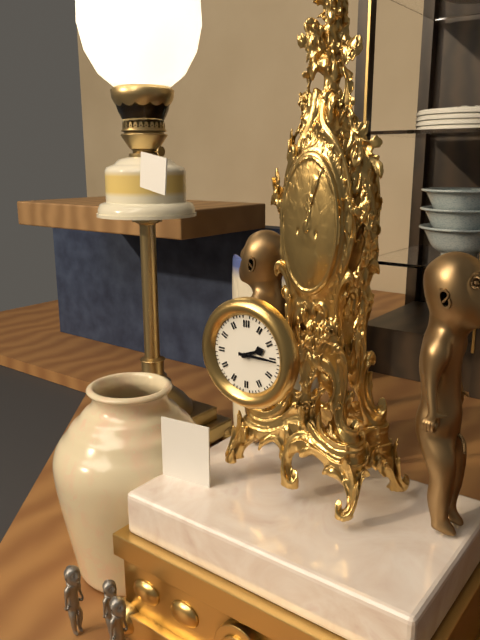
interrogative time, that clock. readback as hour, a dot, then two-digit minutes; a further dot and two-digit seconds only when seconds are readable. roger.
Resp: 2.15
